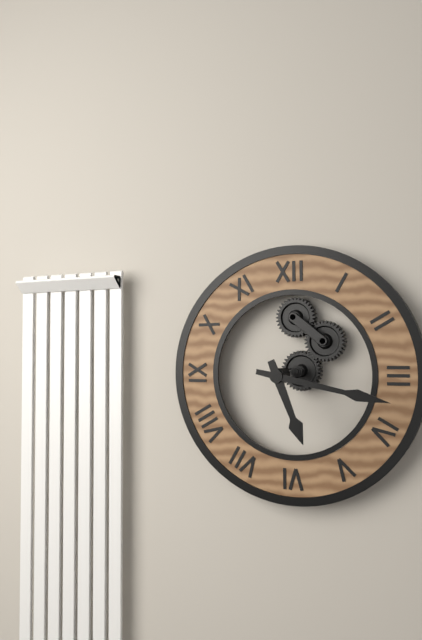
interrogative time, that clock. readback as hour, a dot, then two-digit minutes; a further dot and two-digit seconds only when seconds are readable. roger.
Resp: 5.17
